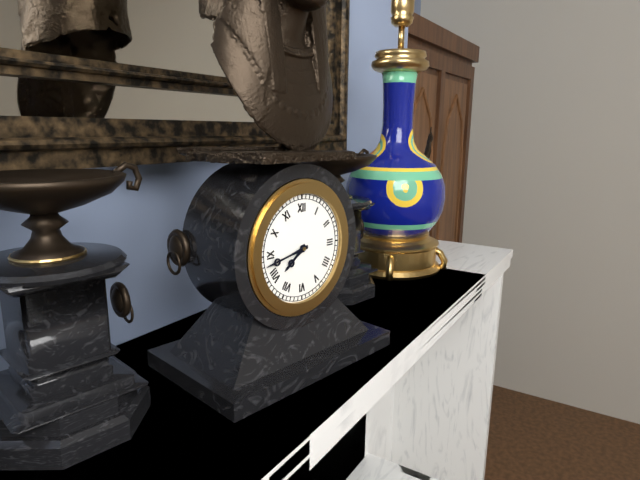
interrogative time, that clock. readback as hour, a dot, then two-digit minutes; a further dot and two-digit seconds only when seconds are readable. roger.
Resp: 7.43
